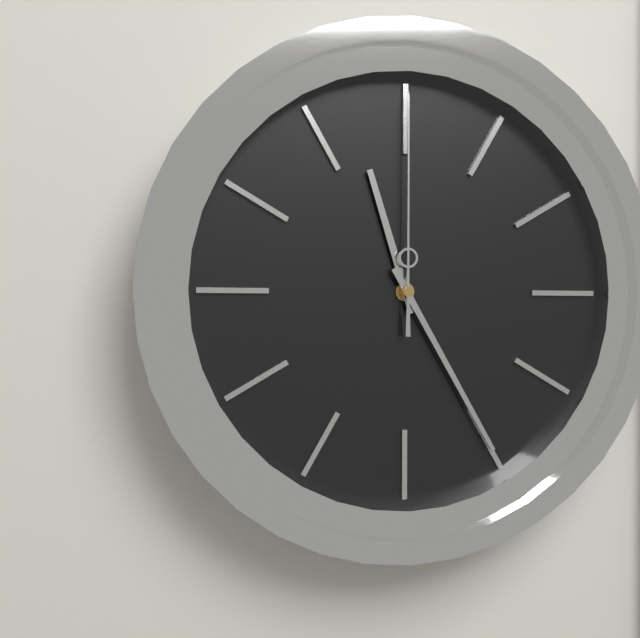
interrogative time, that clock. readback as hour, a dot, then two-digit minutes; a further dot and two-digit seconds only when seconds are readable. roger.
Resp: 11.25.00
